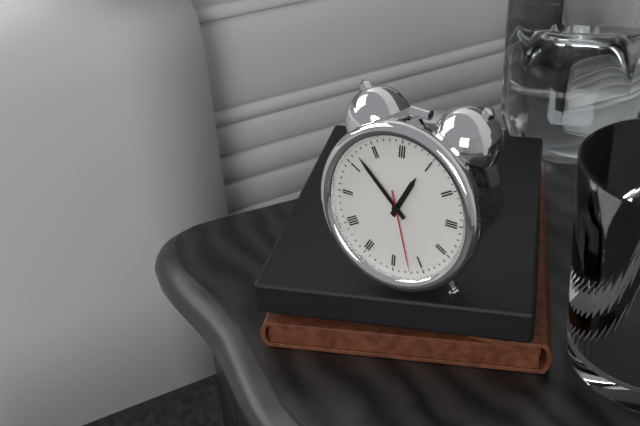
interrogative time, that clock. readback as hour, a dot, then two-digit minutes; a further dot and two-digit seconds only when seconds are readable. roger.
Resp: 12.52.27
